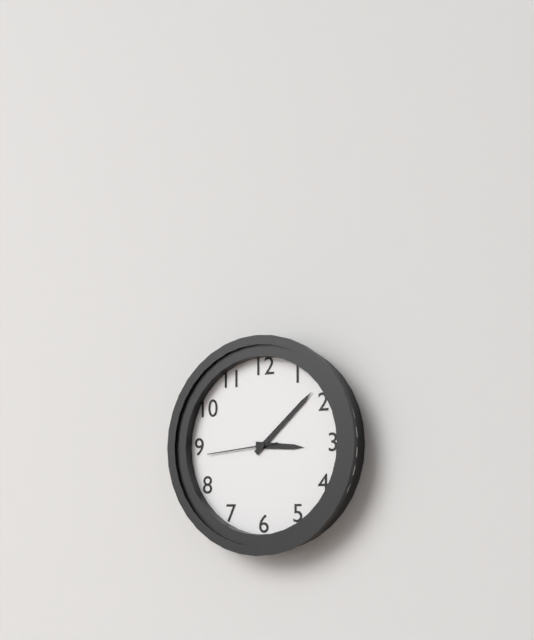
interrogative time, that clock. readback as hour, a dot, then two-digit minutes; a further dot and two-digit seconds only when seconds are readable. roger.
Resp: 3.08.44
